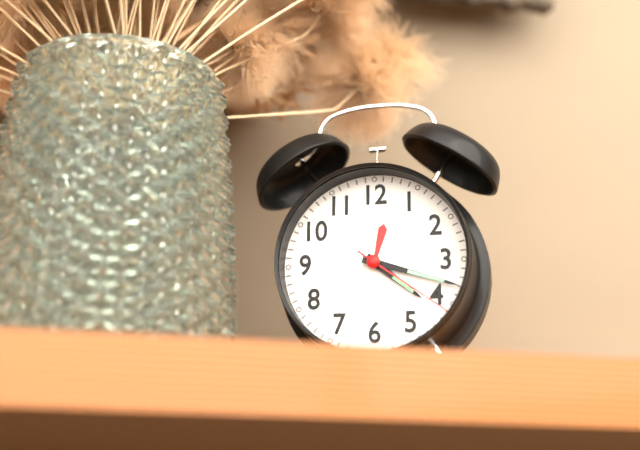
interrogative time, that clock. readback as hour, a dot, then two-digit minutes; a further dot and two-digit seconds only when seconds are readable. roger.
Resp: 4.18.21
